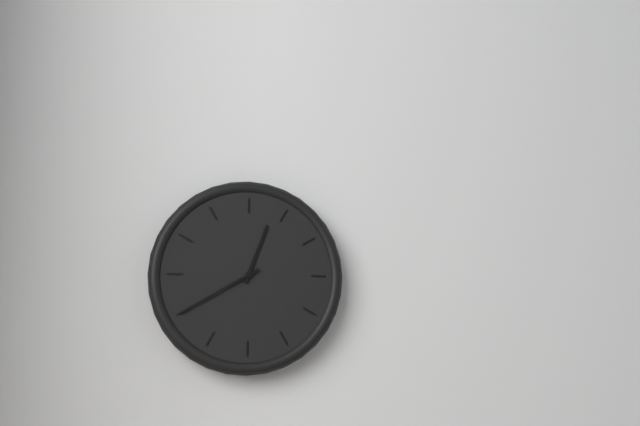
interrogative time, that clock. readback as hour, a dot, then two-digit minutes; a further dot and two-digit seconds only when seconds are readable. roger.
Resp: 12.40
